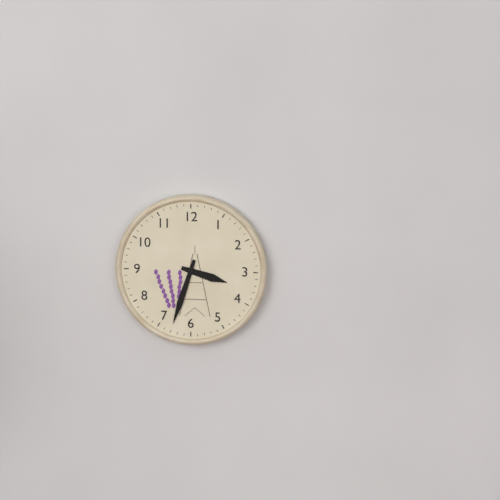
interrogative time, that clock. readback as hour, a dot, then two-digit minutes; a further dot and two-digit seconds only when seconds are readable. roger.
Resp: 3.33
